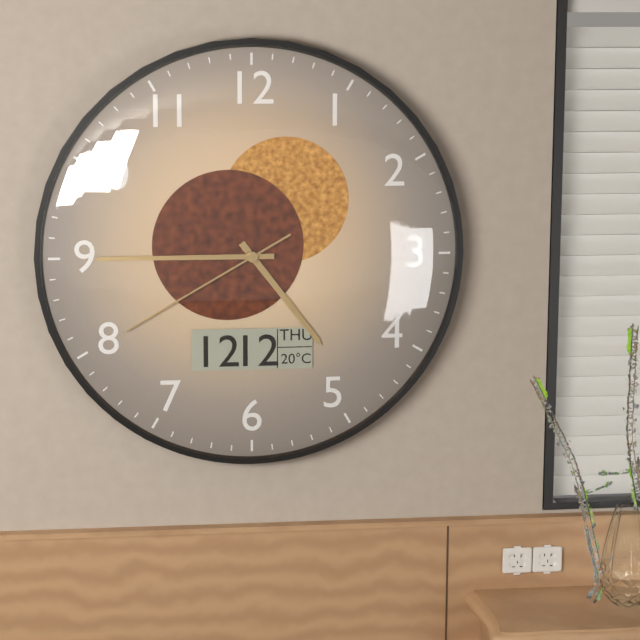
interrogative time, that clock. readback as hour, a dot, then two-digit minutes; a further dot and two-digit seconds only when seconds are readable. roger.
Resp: 4.45.40
